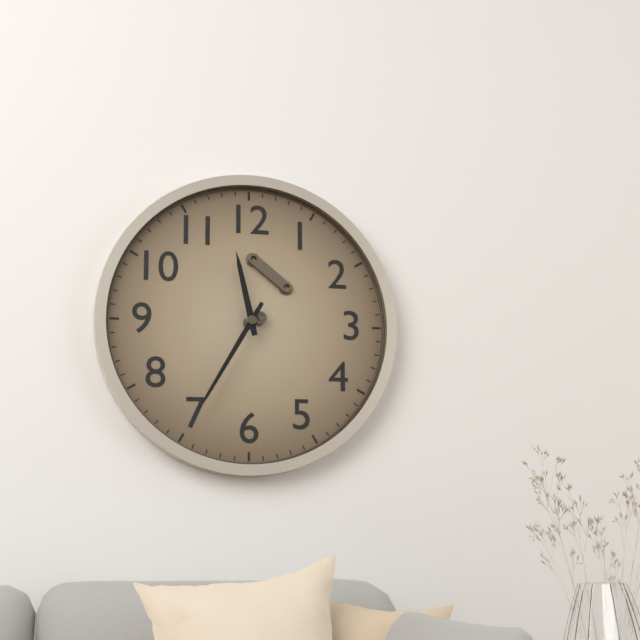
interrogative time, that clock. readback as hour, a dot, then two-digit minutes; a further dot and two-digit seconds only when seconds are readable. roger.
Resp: 11.35
